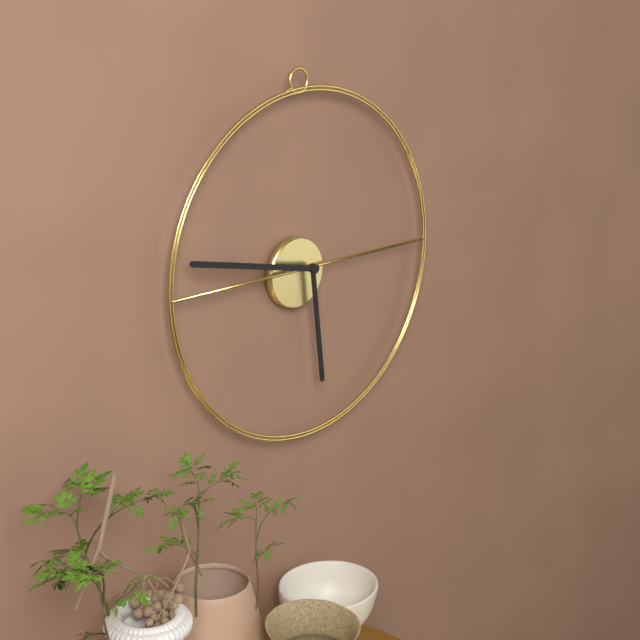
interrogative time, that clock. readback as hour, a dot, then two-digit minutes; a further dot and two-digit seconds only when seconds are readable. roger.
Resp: 5.47
